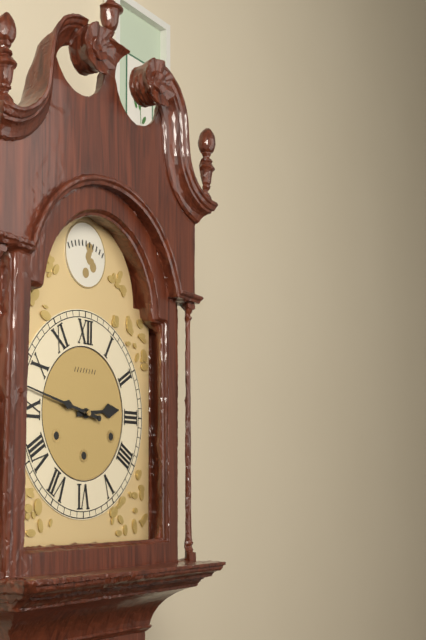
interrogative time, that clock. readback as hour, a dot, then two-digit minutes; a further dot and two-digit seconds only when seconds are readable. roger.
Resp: 2.47
